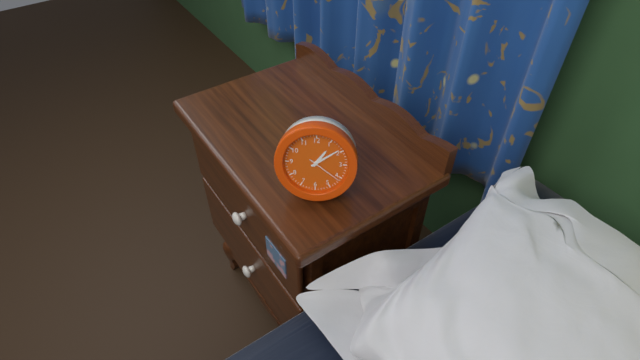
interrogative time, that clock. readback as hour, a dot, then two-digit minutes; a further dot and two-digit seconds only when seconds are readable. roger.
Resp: 1.09
